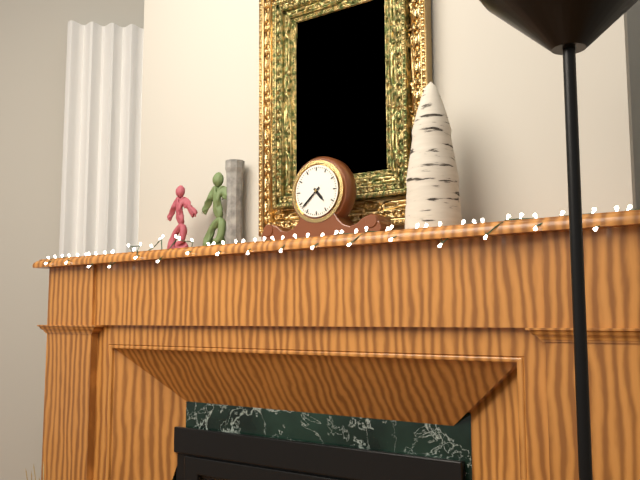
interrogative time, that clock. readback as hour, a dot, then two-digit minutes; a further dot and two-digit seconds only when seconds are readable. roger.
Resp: 4.38
